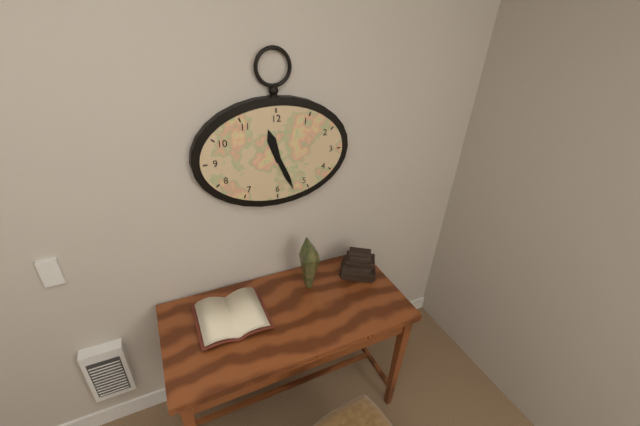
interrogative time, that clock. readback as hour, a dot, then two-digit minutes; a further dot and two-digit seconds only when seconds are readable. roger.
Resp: 11.26
